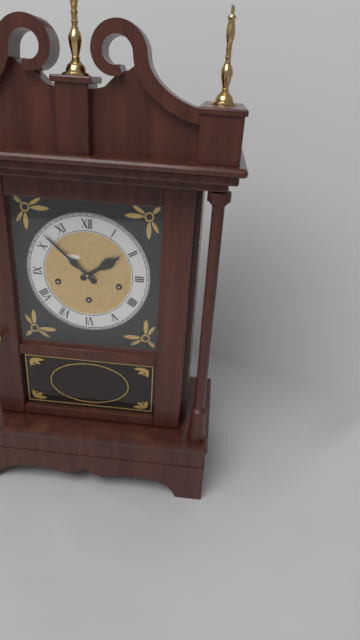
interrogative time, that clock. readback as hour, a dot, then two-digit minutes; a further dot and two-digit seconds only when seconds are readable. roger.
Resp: 1.52
